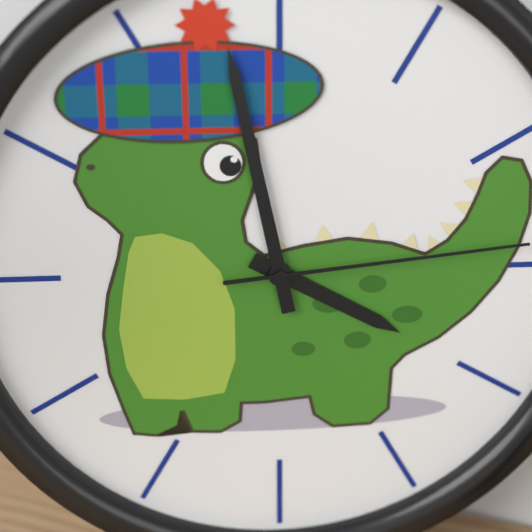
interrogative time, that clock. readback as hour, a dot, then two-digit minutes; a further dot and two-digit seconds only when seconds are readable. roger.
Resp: 3.58.14
